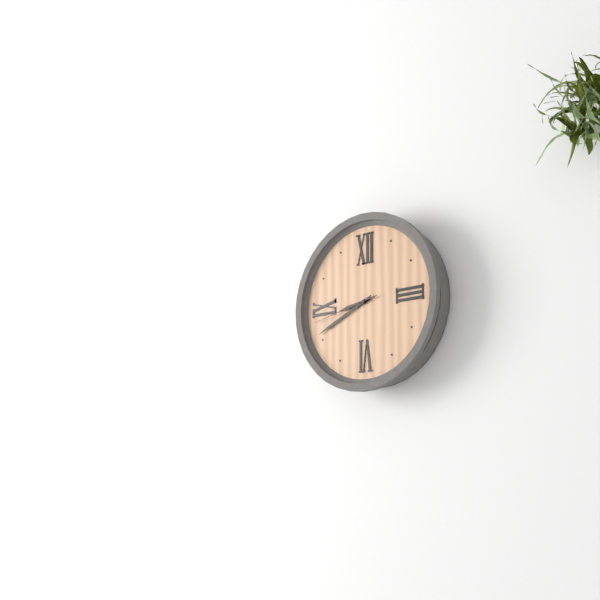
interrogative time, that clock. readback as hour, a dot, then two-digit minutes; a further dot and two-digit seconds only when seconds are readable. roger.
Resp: 8.41.43
